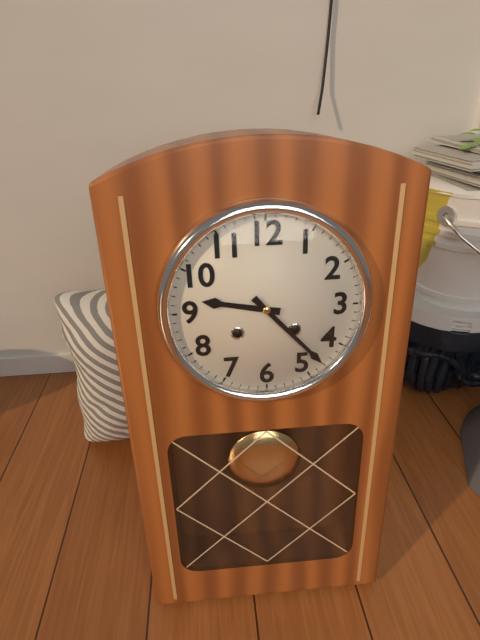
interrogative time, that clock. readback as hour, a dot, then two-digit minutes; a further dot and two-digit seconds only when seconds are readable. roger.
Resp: 9.23
